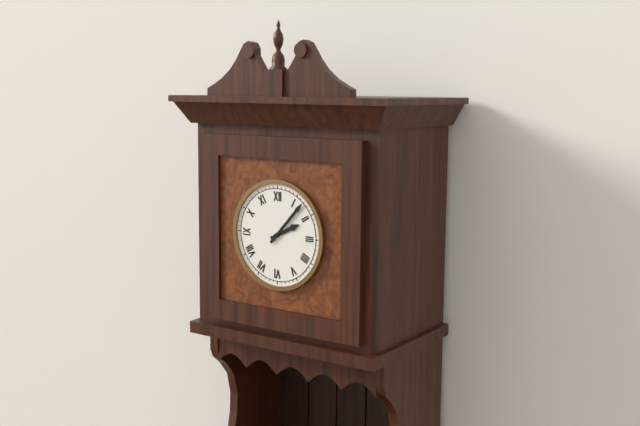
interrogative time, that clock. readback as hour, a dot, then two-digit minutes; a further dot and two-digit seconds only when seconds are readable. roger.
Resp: 2.07
